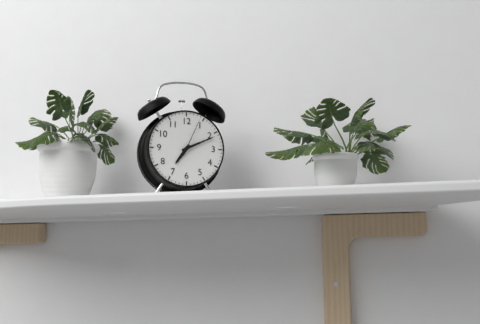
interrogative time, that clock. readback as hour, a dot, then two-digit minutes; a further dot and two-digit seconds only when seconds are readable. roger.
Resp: 7.11
